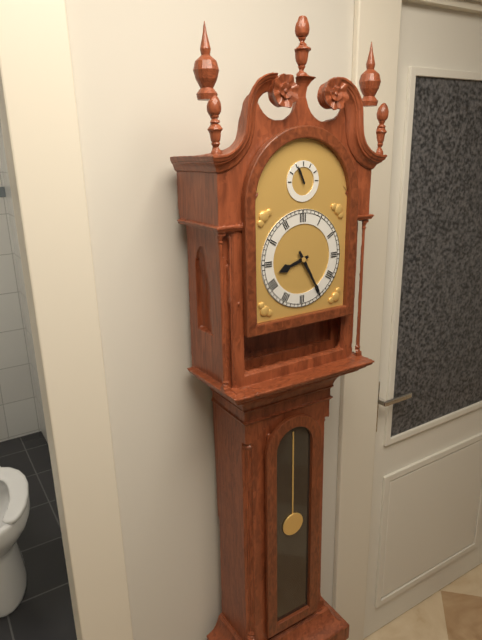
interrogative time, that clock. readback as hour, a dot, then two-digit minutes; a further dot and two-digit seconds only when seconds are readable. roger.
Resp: 8.25
